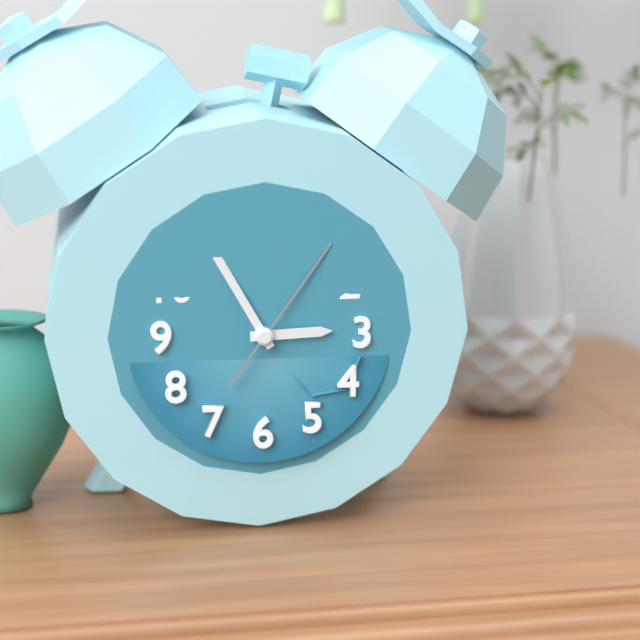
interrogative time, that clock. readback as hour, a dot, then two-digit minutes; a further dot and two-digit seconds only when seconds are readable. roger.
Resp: 2.55.06
